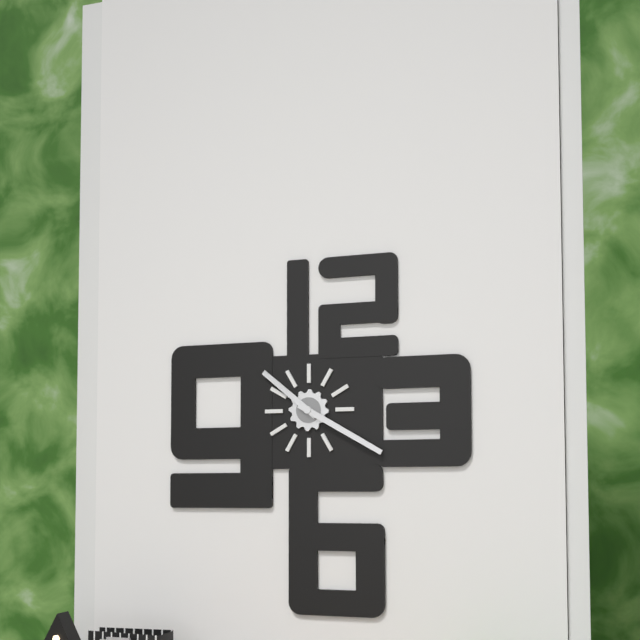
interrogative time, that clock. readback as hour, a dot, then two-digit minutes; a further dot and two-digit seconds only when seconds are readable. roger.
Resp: 10.20
